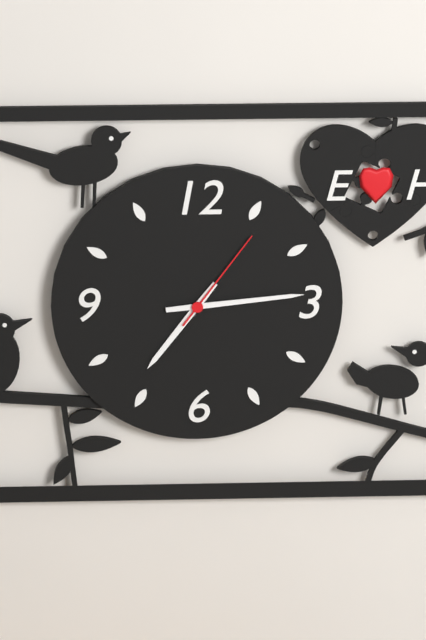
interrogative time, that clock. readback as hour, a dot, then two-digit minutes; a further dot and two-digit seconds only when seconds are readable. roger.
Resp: 7.14.06
